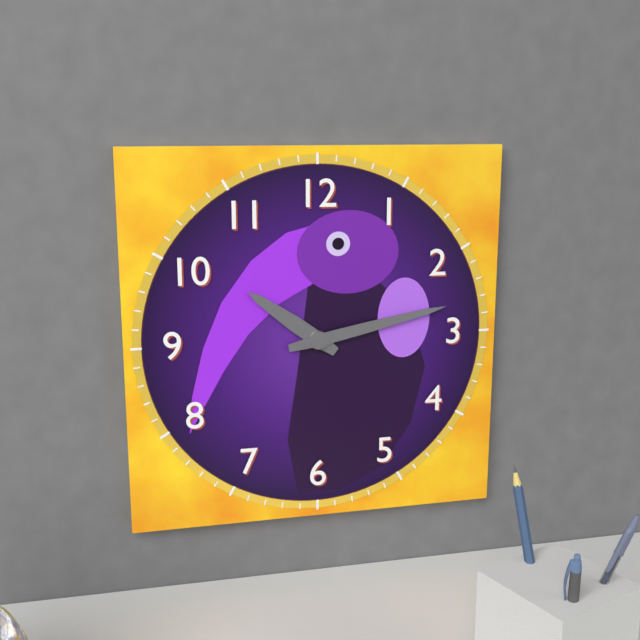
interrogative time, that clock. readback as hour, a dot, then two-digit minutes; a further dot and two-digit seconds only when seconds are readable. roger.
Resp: 10.13
